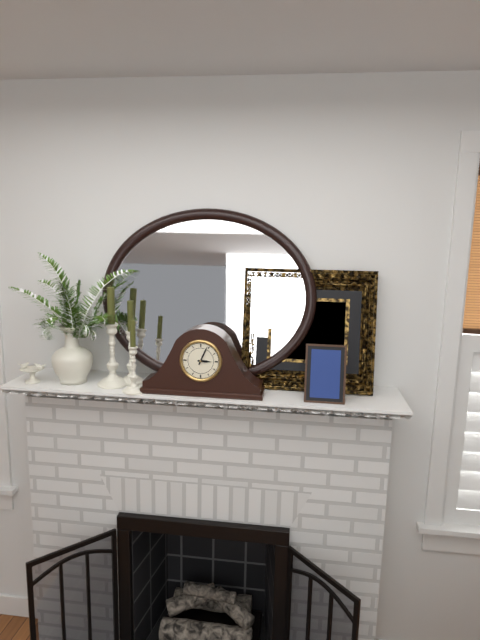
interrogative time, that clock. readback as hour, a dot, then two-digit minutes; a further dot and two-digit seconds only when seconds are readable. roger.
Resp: 3.04
